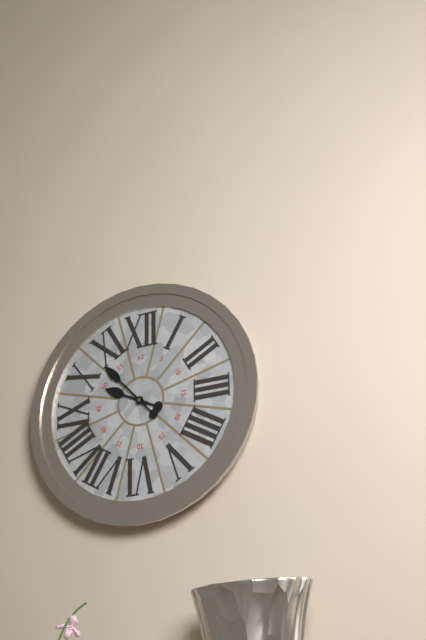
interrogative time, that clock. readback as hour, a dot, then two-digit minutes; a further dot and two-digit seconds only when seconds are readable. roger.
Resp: 9.53
